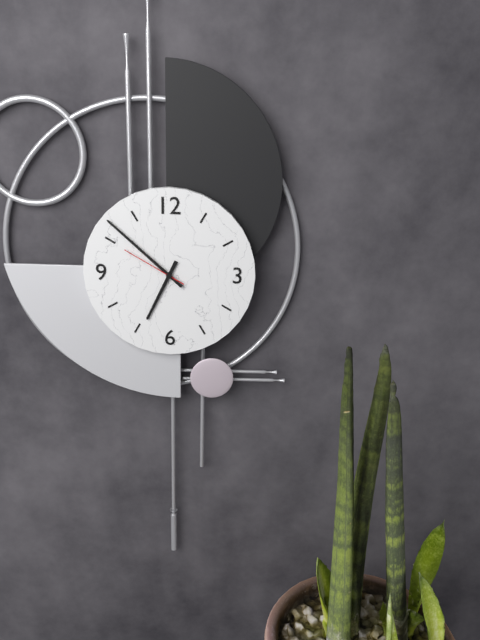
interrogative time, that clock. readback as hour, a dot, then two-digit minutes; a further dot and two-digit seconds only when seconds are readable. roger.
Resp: 6.52.50
